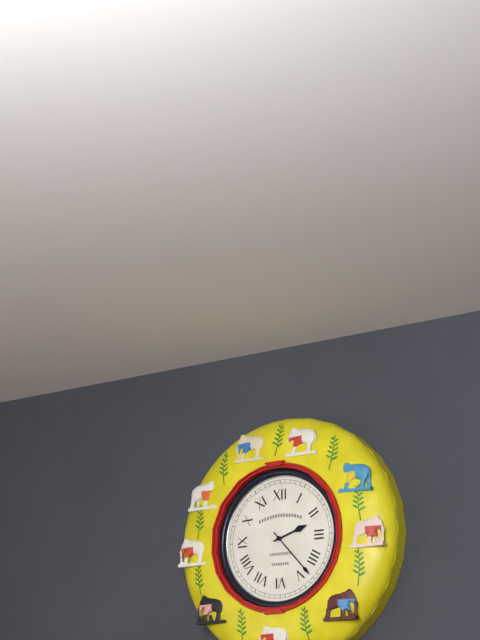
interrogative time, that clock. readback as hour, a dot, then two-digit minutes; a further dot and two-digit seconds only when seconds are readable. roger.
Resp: 2.23
